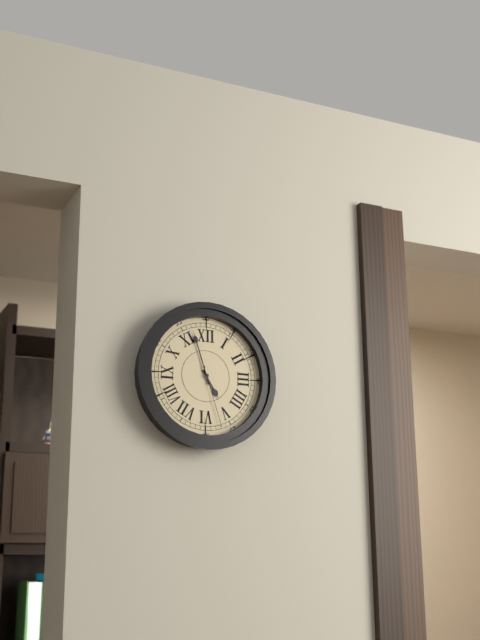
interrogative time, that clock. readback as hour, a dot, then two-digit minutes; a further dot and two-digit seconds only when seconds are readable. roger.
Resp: 4.57.27
